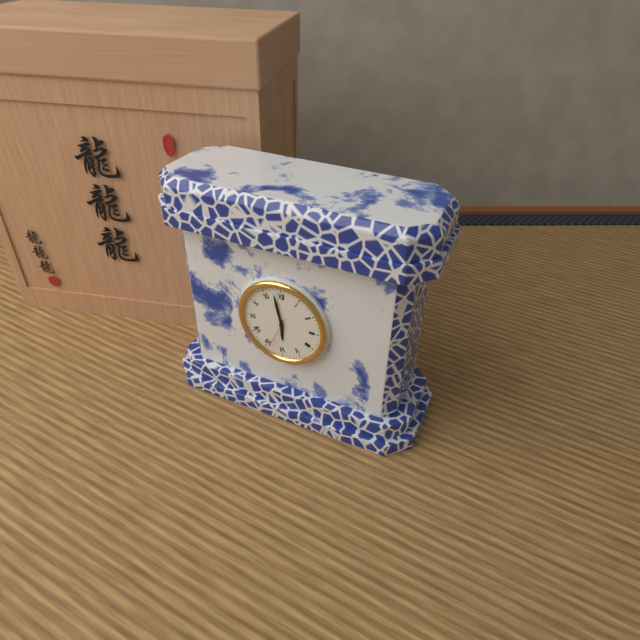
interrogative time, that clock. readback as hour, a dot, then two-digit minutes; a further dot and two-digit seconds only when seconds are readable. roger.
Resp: 5.58.34
